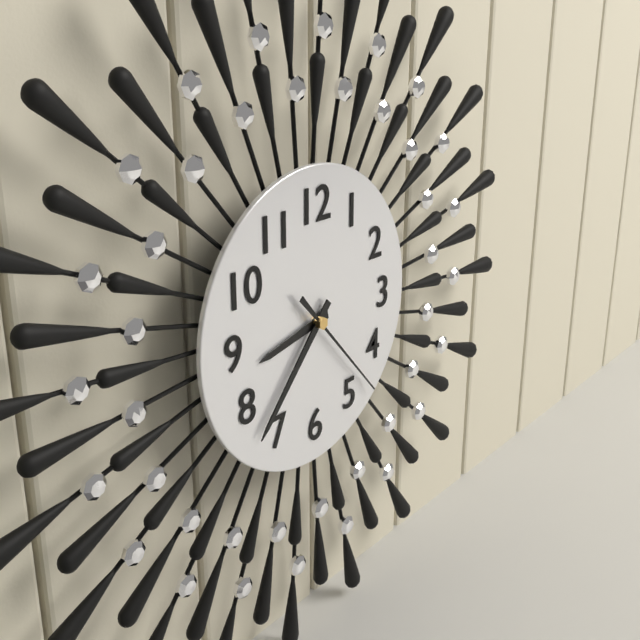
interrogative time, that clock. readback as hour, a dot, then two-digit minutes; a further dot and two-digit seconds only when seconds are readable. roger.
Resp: 8.37.23
